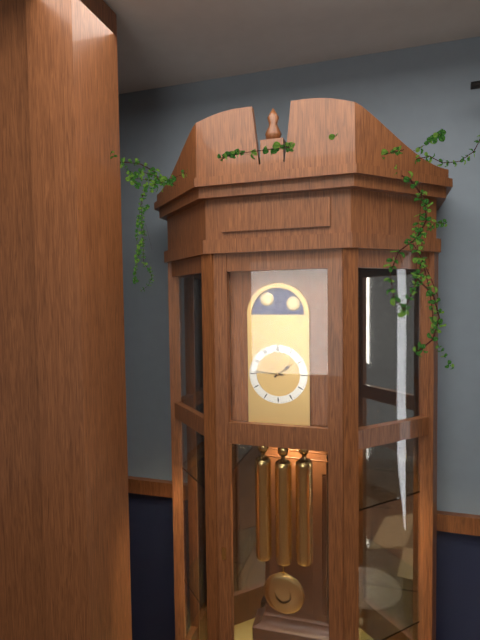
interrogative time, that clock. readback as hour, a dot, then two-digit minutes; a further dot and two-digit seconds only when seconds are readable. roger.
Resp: 1.46
